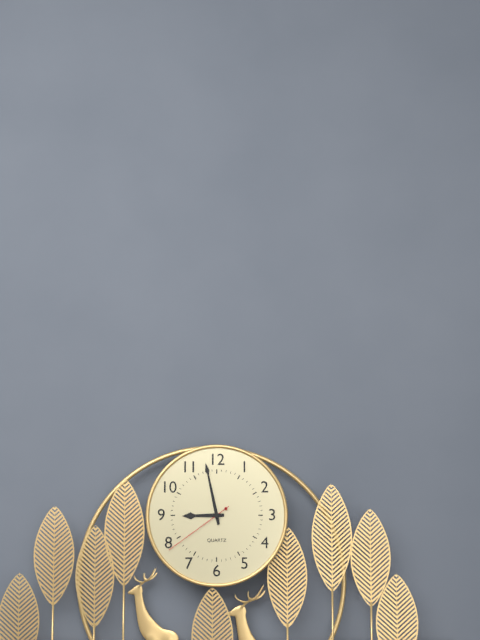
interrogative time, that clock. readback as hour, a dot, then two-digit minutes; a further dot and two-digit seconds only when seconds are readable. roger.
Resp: 8.58.39
